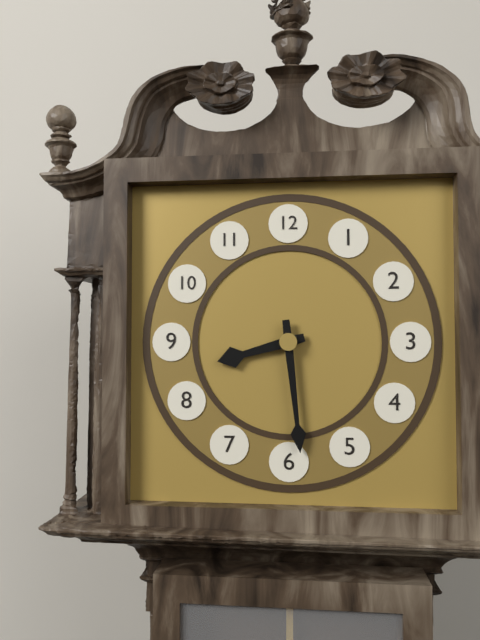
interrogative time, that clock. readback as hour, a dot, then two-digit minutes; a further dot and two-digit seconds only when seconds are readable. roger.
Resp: 8.29
